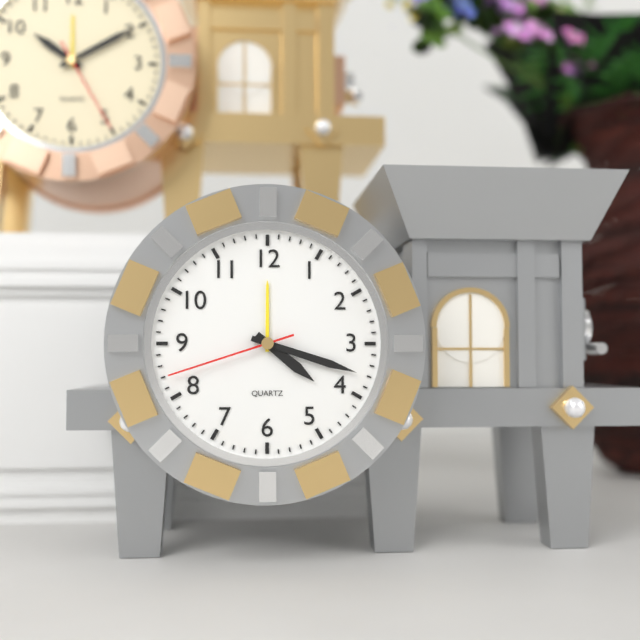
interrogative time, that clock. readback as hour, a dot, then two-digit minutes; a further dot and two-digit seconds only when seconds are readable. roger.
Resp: 4.18.42
